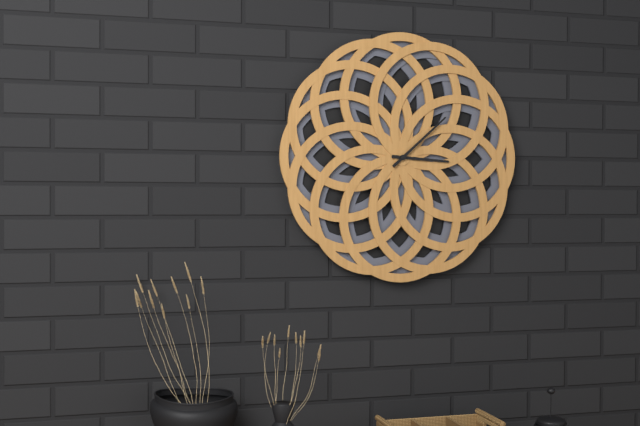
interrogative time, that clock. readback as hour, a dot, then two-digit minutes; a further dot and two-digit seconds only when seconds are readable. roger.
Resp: 3.08
